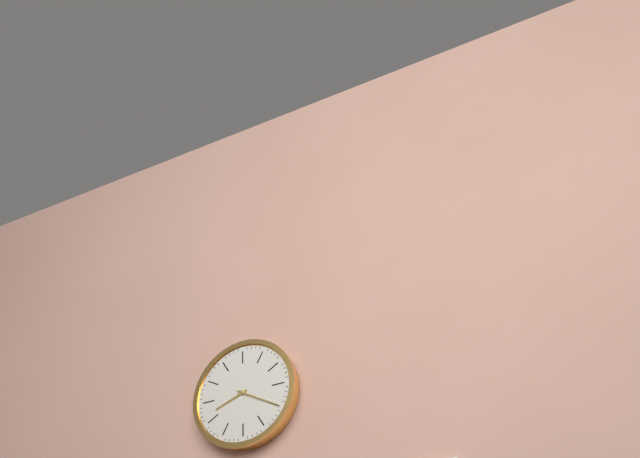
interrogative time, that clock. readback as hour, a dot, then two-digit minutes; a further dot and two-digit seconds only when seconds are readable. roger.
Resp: 8.20
